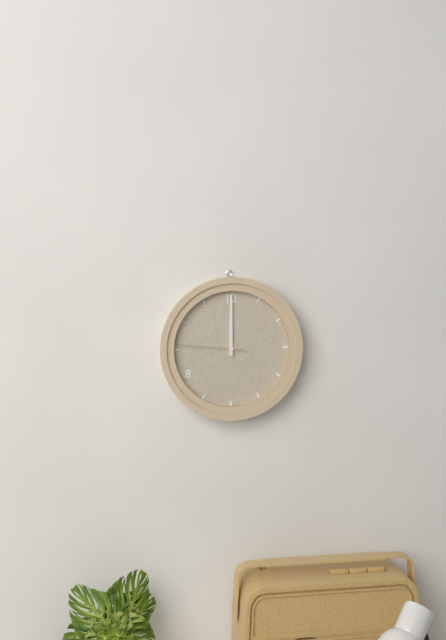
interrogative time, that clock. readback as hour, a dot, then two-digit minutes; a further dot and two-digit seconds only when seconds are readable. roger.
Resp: 12.00.46
